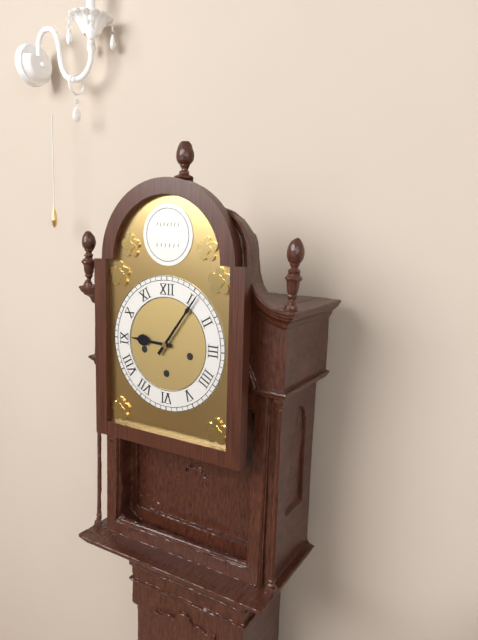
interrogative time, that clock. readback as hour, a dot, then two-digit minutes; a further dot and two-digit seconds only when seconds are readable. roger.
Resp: 9.06
